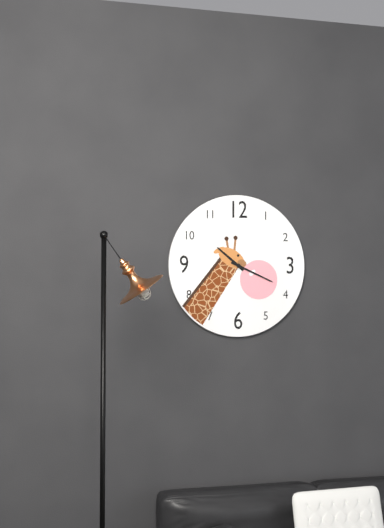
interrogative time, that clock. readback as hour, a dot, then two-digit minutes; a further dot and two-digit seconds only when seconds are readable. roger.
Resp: 10.19
